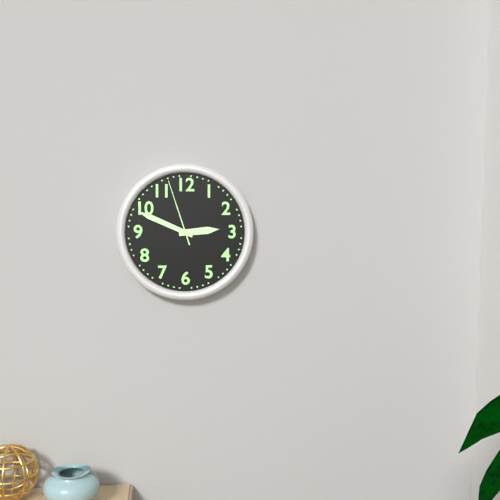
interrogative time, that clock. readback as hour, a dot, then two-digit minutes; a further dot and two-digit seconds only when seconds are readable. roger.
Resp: 2.49.57
